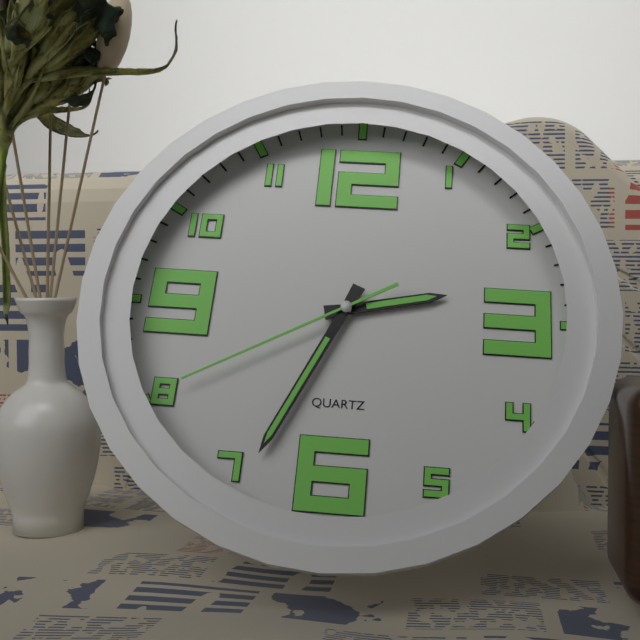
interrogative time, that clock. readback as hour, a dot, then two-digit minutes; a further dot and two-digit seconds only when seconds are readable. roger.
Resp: 2.34.40
